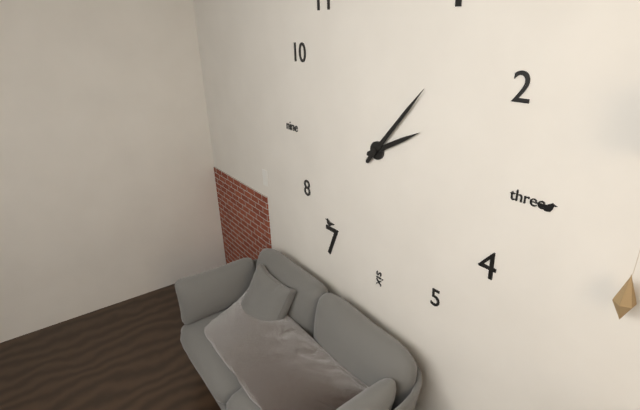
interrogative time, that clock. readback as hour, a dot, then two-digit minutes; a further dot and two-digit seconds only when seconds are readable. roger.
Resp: 2.07
